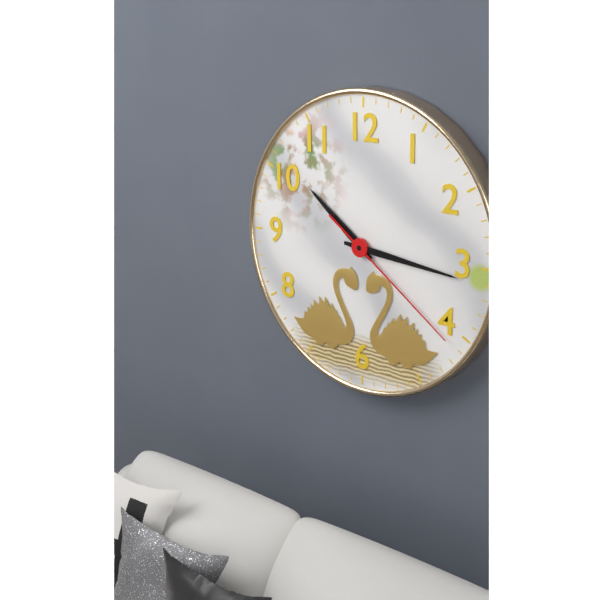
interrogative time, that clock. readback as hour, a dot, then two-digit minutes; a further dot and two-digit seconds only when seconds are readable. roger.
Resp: 10.16.21
